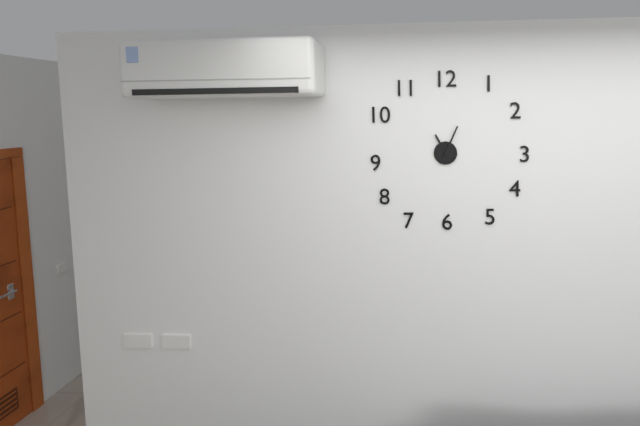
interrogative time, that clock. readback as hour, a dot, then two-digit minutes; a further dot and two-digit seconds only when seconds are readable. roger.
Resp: 11.04
